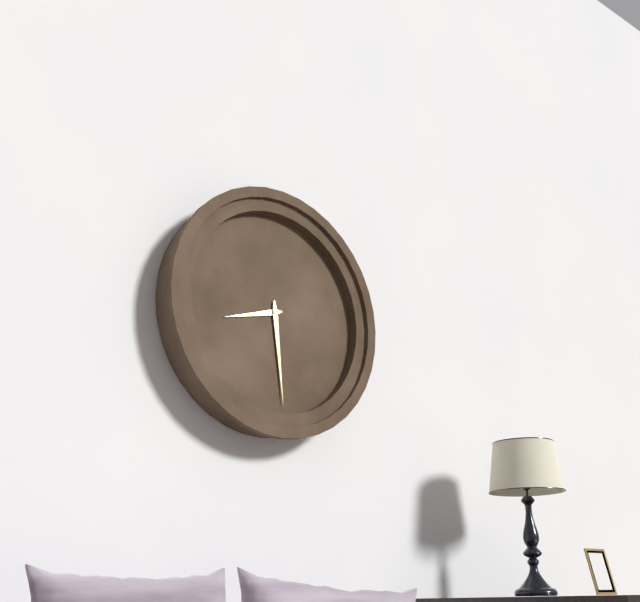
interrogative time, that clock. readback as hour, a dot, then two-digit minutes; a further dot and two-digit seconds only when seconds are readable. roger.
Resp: 8.29
